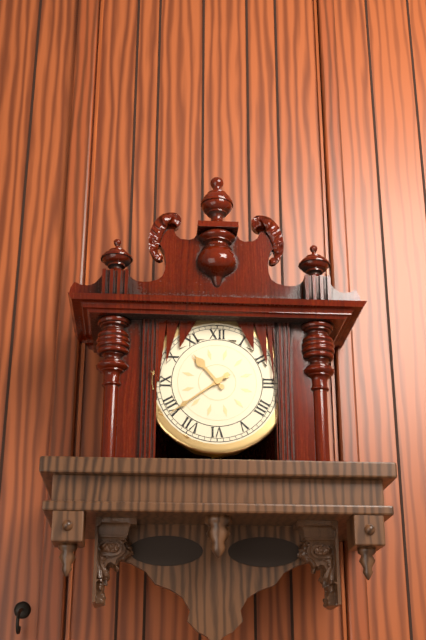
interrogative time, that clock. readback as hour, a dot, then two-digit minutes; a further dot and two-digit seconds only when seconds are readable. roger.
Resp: 10.39
